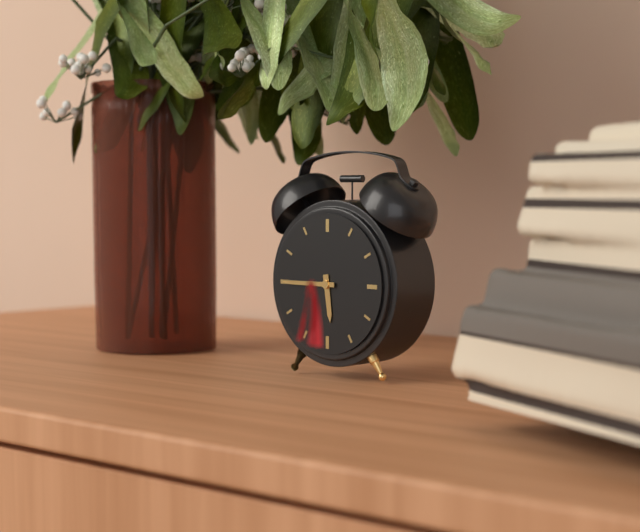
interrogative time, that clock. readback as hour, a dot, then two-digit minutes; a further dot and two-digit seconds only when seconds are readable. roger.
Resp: 5.45
